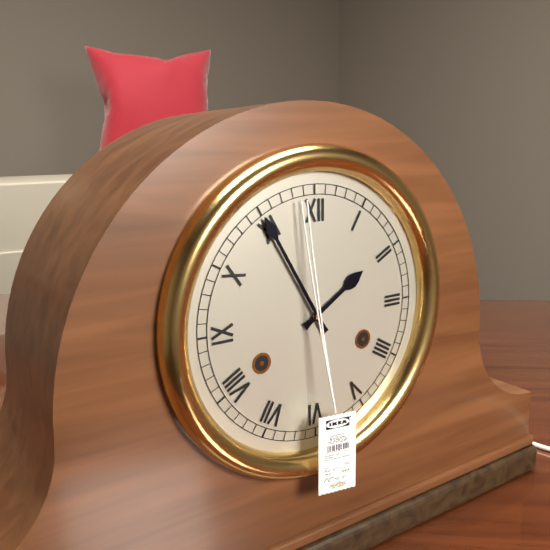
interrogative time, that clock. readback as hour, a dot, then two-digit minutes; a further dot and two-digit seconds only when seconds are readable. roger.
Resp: 1.55
